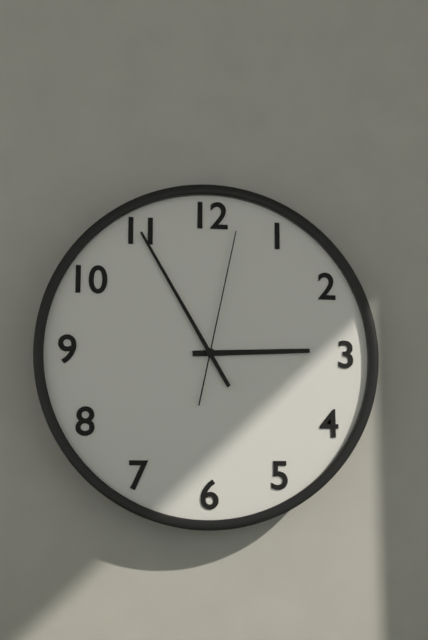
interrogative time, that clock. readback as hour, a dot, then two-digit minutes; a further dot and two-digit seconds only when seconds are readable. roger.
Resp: 2.55.02
